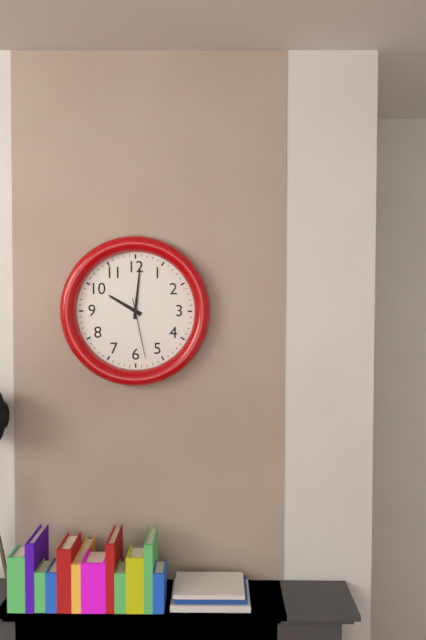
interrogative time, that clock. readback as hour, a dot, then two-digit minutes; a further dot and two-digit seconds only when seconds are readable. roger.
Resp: 10.01.28
